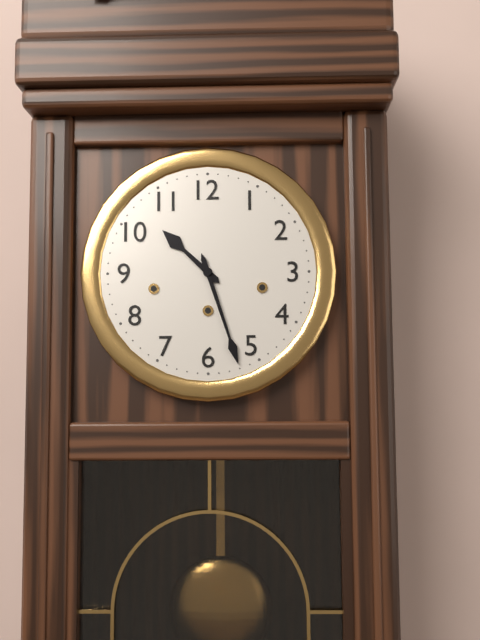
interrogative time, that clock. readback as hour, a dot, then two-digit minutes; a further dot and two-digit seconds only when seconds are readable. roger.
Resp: 10.27
